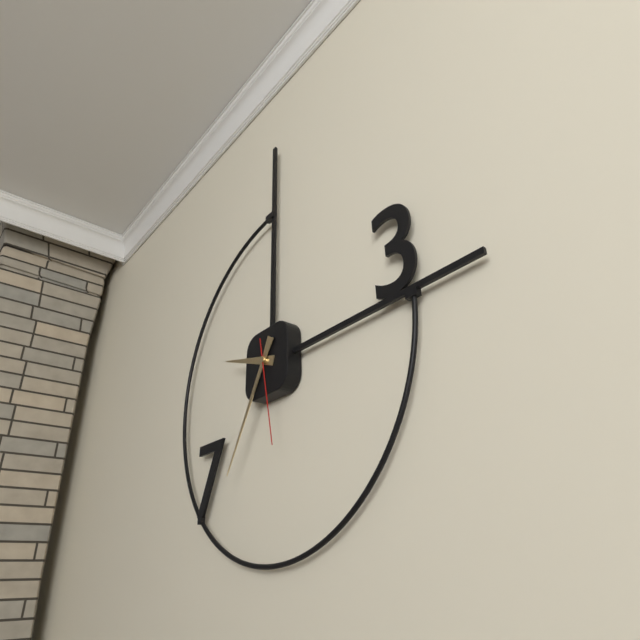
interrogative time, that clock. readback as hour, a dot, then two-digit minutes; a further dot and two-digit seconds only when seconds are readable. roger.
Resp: 9.35.28
